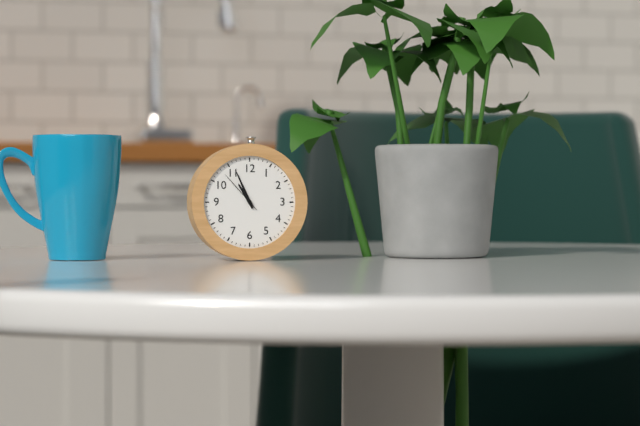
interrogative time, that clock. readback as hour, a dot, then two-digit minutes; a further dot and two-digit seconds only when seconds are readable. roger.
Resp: 10.56
